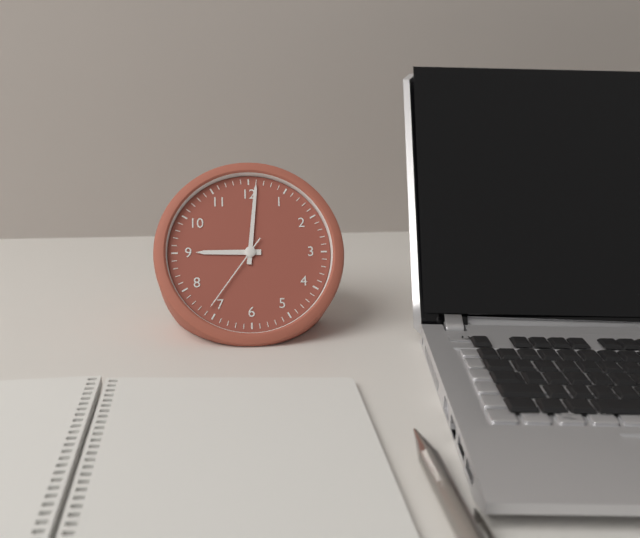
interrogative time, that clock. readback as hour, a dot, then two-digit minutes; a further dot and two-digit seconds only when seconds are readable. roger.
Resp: 9.01.36
